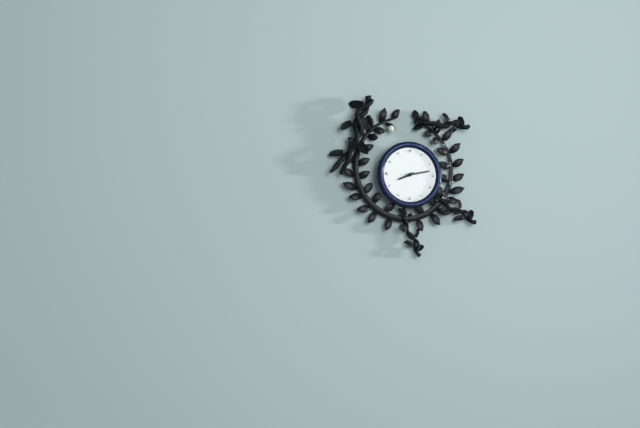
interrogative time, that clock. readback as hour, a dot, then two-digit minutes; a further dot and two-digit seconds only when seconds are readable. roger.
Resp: 8.13
